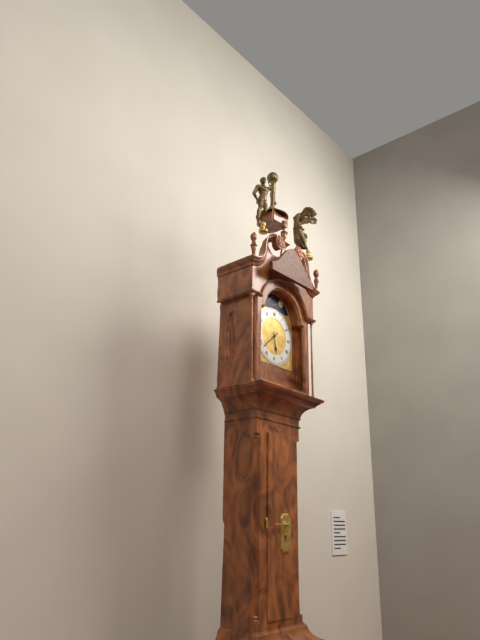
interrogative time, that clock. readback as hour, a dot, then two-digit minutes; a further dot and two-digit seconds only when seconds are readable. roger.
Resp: 5.38
